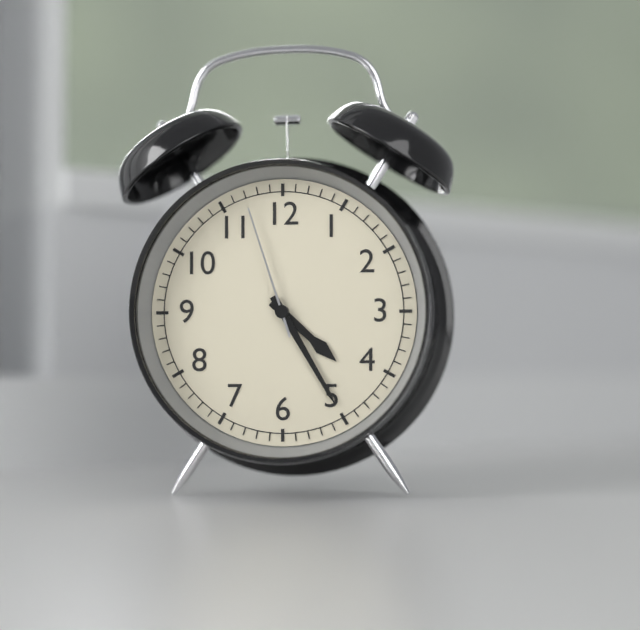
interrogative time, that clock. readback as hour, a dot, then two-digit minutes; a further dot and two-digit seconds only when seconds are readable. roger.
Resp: 4.25.57
